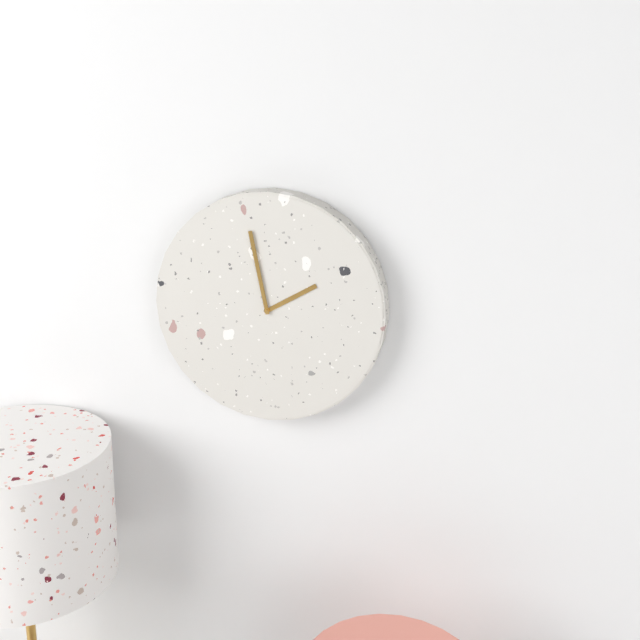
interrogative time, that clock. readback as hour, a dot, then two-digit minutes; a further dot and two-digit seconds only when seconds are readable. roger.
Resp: 1.58
